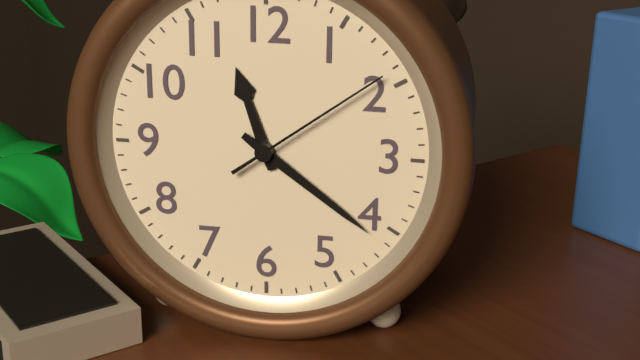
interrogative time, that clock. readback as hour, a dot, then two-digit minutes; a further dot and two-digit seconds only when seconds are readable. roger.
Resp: 11.21.09
